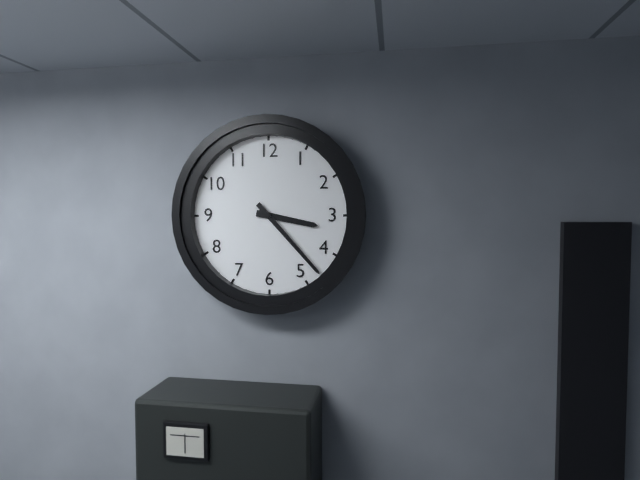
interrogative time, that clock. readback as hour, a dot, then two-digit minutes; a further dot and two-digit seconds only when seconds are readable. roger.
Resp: 3.23
